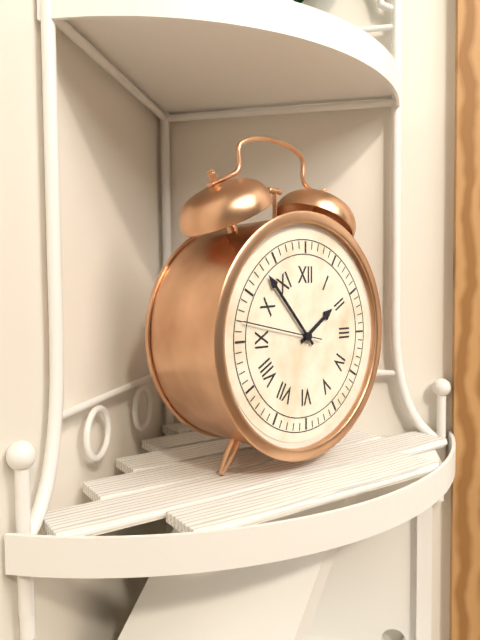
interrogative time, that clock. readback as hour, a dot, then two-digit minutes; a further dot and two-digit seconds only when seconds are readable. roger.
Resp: 1.53.47
